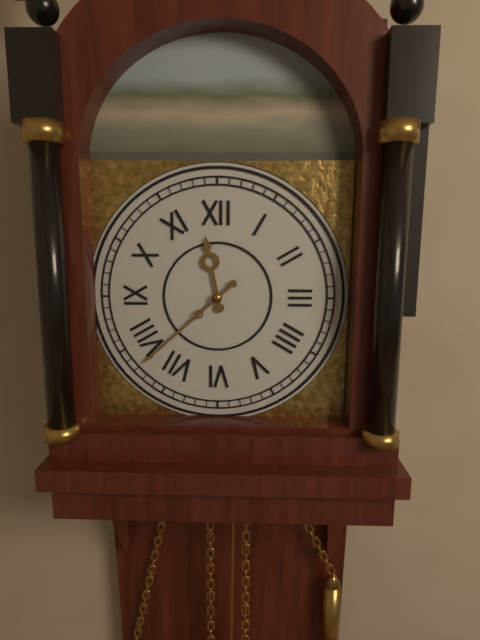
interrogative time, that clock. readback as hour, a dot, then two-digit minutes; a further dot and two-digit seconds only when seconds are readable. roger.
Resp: 11.38
